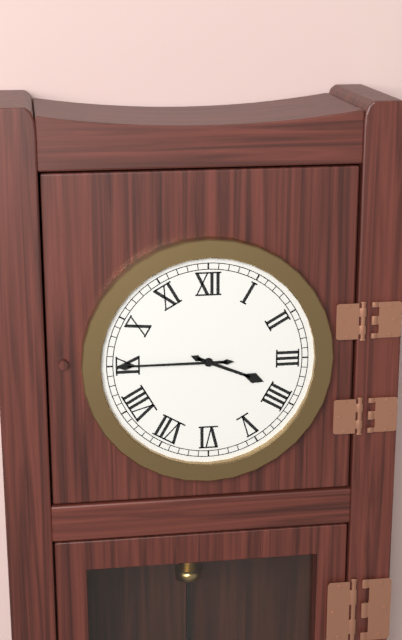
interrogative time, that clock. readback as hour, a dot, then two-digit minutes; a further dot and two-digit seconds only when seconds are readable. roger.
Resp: 3.45
